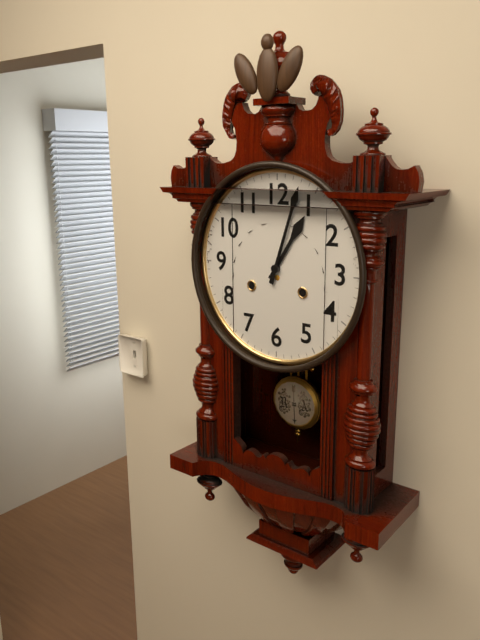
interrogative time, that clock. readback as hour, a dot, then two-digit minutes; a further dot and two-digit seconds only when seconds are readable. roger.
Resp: 1.03
